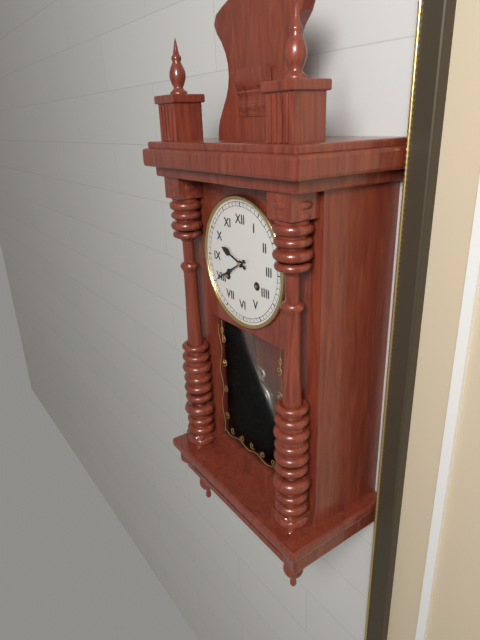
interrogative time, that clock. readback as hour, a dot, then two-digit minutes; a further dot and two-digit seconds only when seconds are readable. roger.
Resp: 9.40
